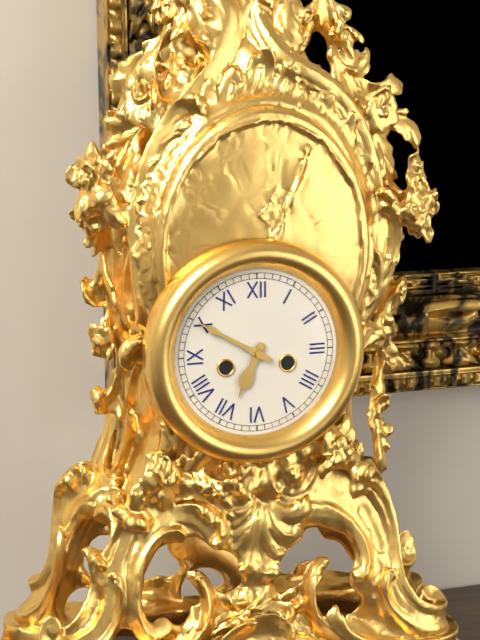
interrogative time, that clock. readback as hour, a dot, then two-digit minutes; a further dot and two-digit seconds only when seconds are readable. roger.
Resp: 6.50
